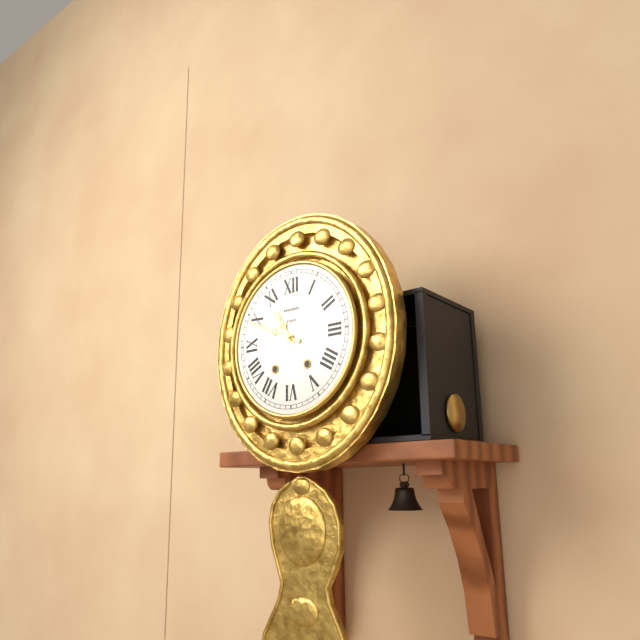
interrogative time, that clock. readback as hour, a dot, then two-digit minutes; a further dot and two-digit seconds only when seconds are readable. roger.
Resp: 10.49
